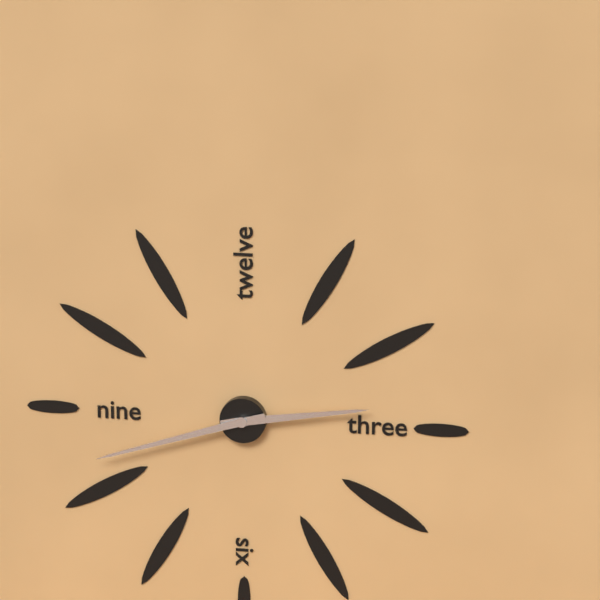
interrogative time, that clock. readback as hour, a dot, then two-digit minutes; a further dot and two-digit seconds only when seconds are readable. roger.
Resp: 2.42
